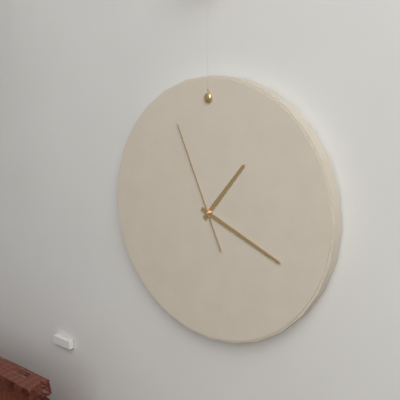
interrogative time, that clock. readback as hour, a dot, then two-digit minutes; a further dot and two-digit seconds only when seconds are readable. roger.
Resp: 1.19.56
